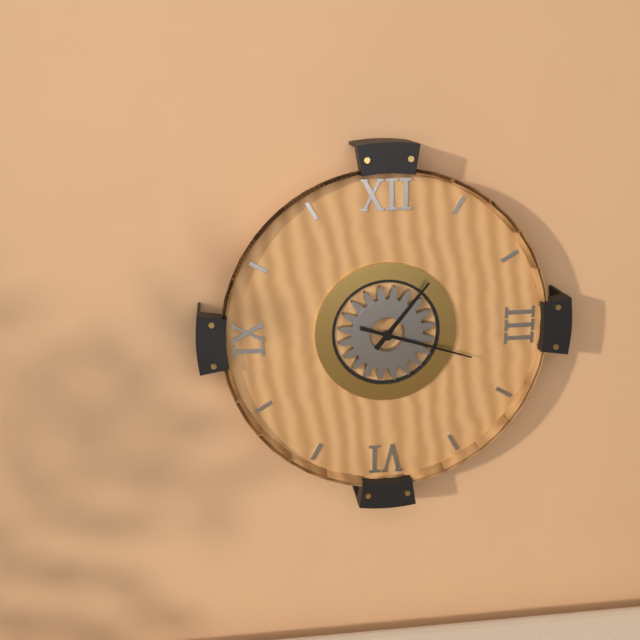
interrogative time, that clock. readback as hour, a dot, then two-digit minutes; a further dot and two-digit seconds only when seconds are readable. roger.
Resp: 1.18
